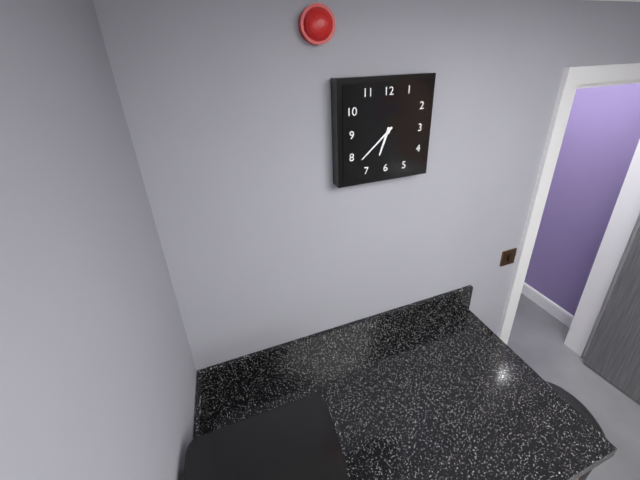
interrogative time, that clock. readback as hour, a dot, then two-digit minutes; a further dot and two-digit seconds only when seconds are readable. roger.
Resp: 6.38
